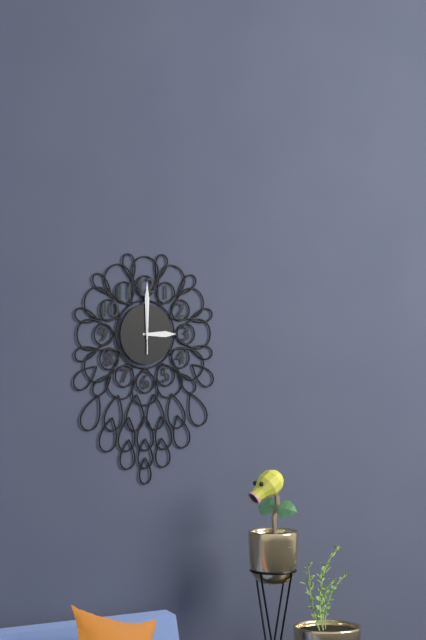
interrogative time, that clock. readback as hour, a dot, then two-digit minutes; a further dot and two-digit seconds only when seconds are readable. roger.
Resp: 3.00.00
